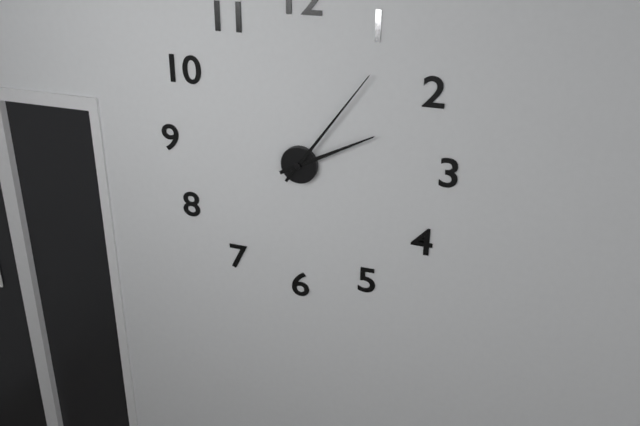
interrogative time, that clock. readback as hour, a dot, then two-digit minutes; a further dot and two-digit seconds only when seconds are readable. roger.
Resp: 2.06
